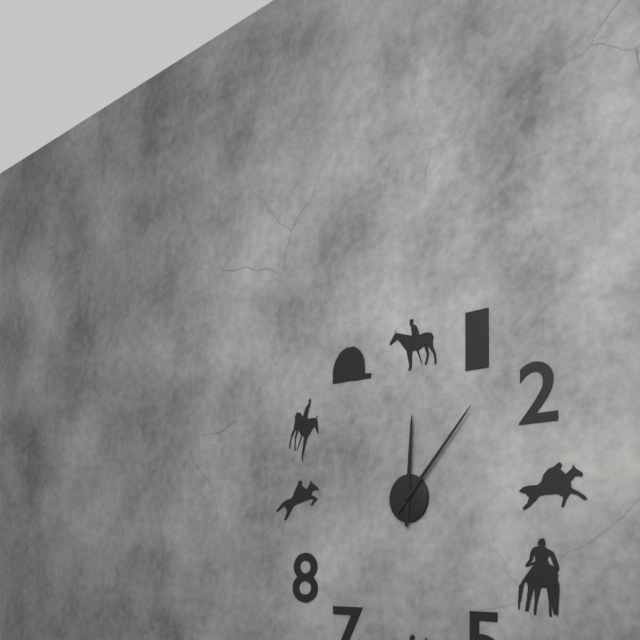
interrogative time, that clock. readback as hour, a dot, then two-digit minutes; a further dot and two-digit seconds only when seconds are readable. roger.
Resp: 12.07
